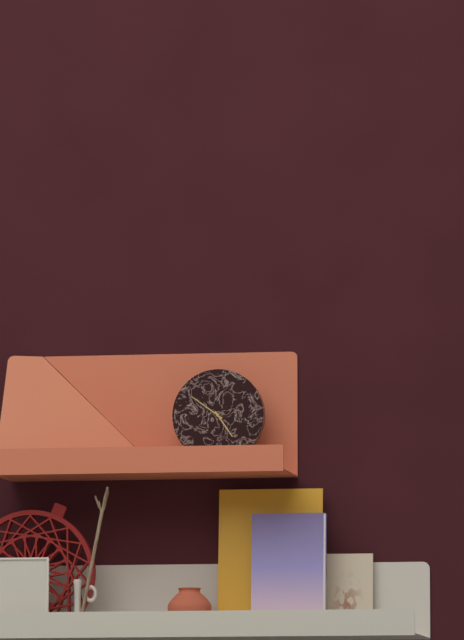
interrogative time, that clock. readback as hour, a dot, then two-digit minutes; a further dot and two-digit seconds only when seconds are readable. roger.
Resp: 4.51
